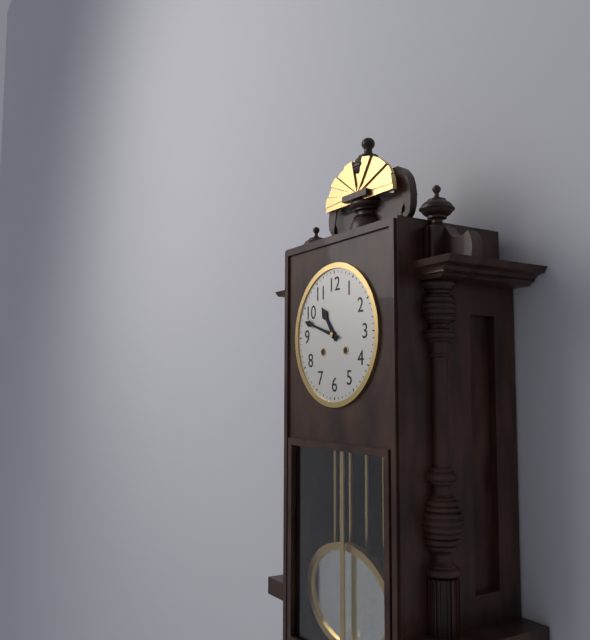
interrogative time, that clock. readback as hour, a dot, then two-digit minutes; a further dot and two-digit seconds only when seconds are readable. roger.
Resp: 10.48
